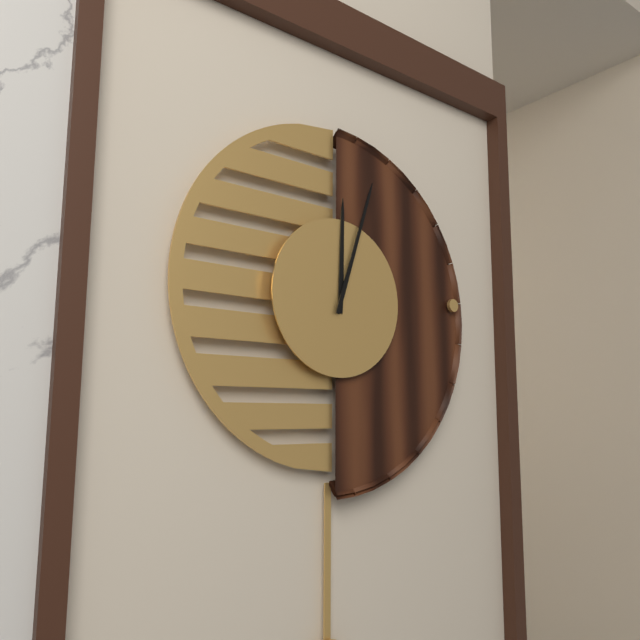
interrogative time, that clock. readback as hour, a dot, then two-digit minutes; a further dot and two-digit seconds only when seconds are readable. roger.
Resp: 12.03
